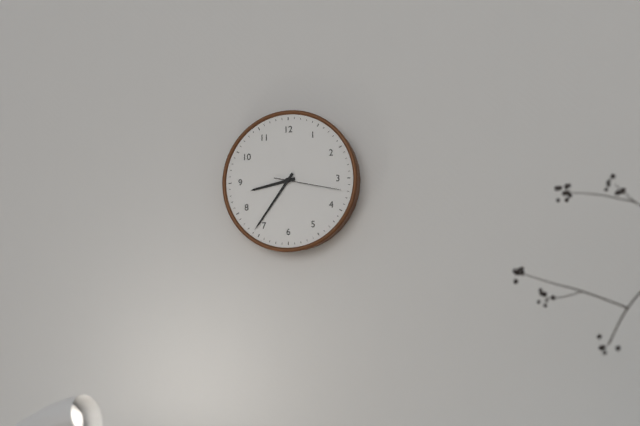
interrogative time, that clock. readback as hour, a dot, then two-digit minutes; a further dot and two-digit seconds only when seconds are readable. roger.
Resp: 8.36.17
